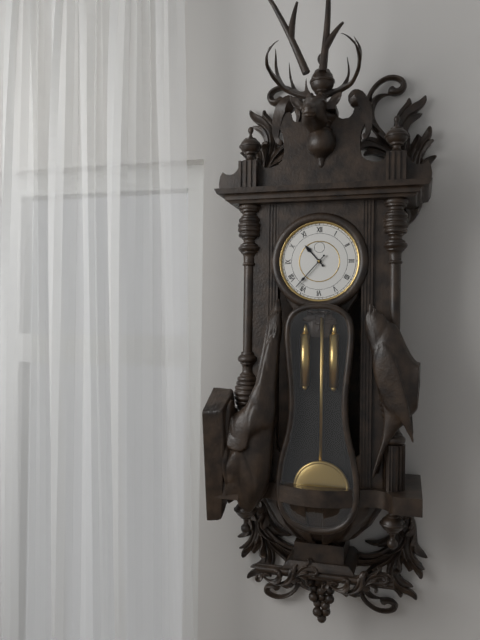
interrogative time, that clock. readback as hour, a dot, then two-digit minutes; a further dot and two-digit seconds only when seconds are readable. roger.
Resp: 10.37
